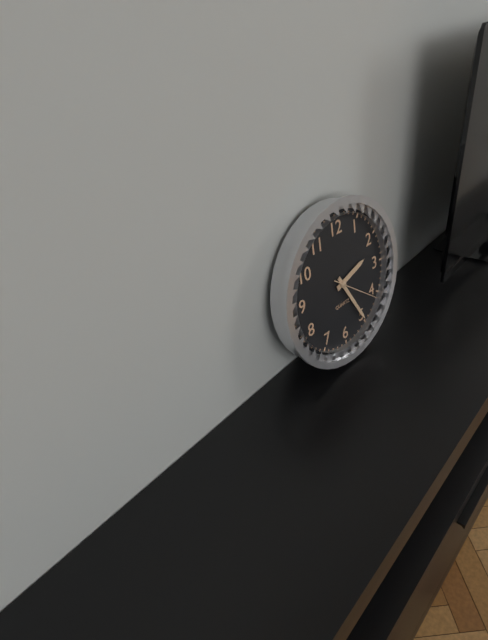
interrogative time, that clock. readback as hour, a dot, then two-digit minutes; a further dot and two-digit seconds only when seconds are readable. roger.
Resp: 2.25.21
